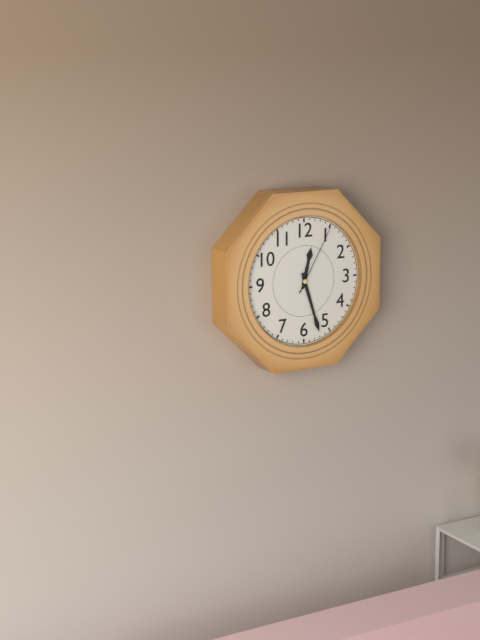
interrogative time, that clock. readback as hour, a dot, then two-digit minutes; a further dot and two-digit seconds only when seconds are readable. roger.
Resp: 12.27.05
